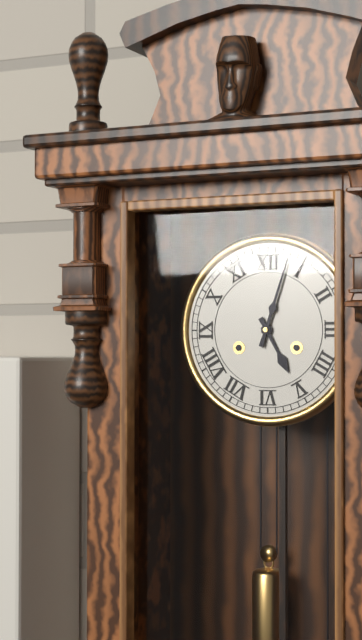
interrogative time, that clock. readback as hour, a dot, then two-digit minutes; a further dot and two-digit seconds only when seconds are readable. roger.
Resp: 5.03
